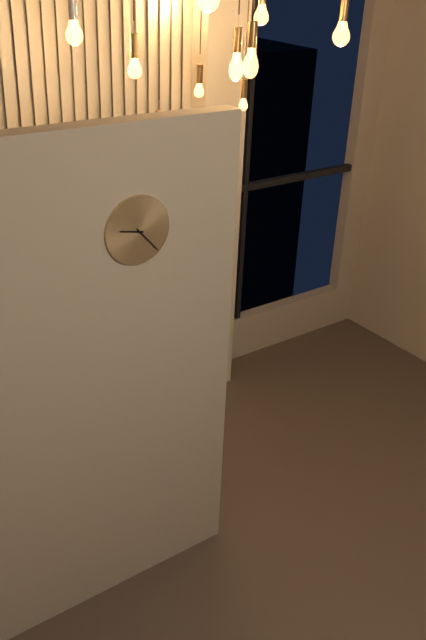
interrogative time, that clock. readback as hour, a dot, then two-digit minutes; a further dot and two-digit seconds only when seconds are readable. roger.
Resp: 9.23
